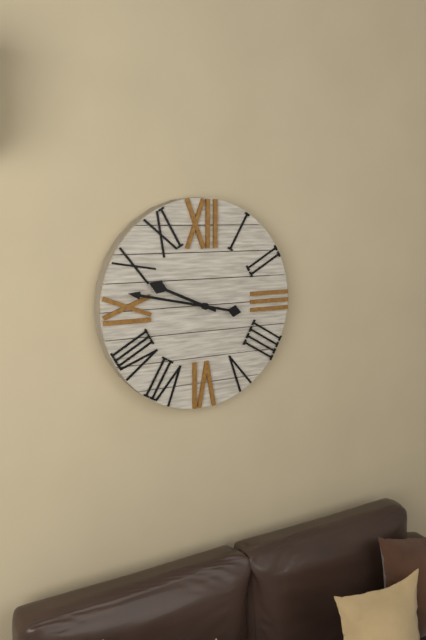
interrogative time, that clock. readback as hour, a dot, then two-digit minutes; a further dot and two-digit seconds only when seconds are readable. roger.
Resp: 9.47
